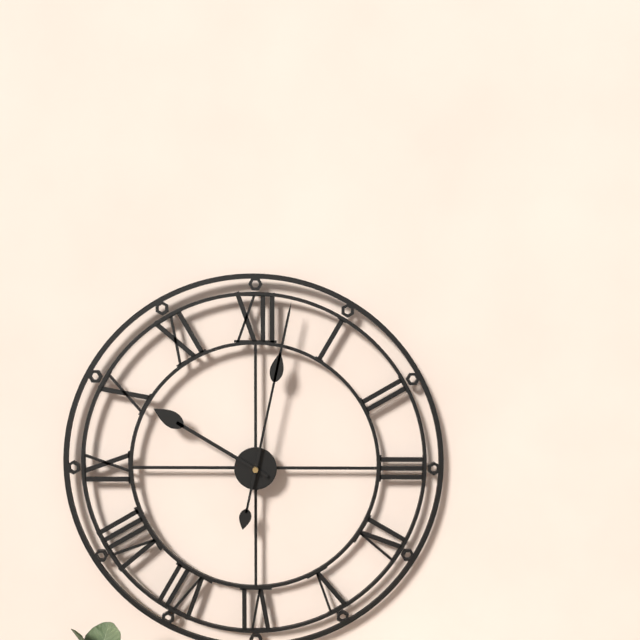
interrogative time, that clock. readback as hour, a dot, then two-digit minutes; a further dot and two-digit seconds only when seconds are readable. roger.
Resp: 10.02
